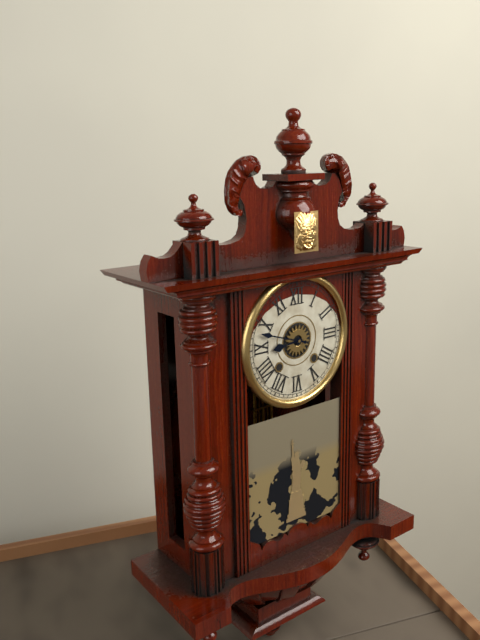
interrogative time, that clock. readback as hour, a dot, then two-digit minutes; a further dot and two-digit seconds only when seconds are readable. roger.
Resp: 8.48
